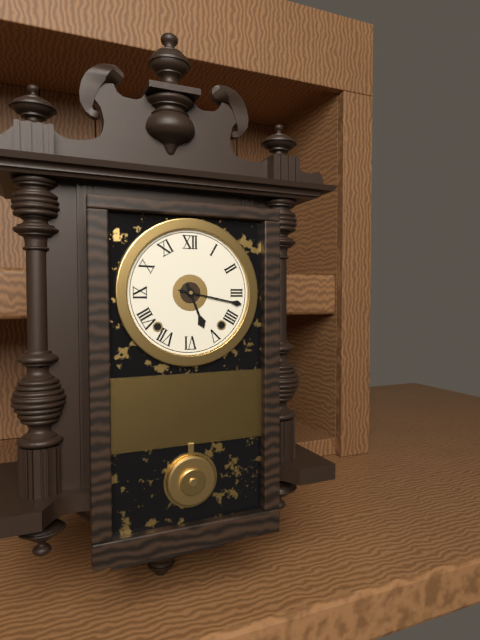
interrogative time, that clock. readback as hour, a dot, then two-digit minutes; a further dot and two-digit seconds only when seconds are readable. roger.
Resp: 5.17
